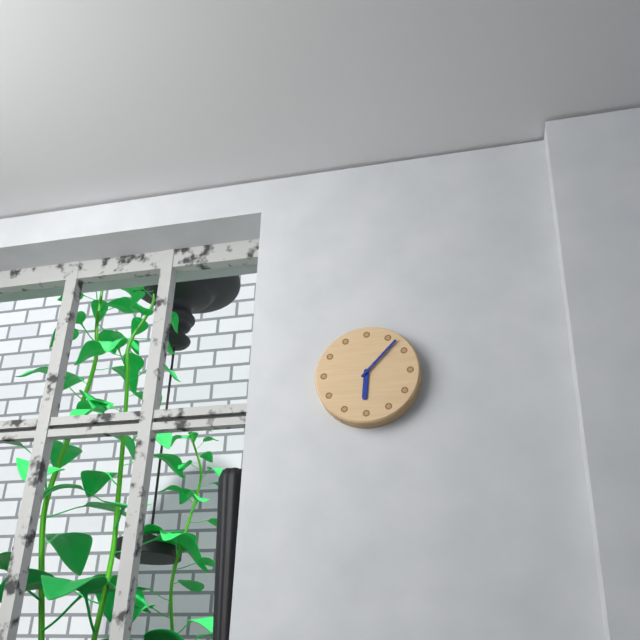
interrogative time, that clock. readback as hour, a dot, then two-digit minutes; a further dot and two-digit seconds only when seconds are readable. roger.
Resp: 6.07
